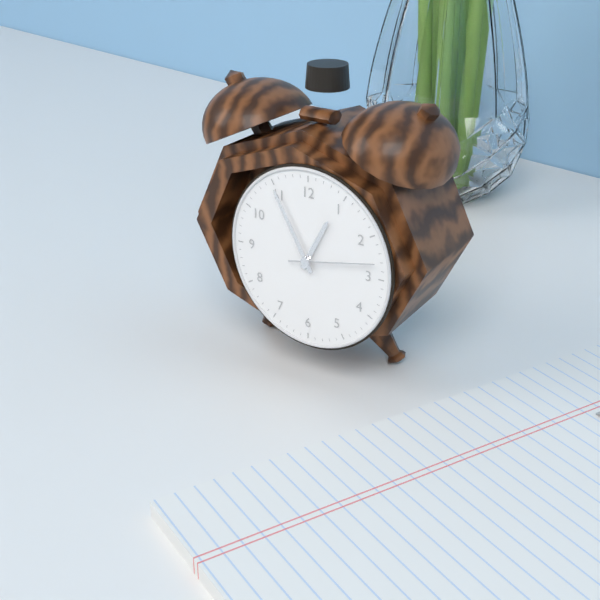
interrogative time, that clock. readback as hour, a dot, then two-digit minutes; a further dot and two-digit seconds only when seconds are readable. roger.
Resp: 12.55.13
